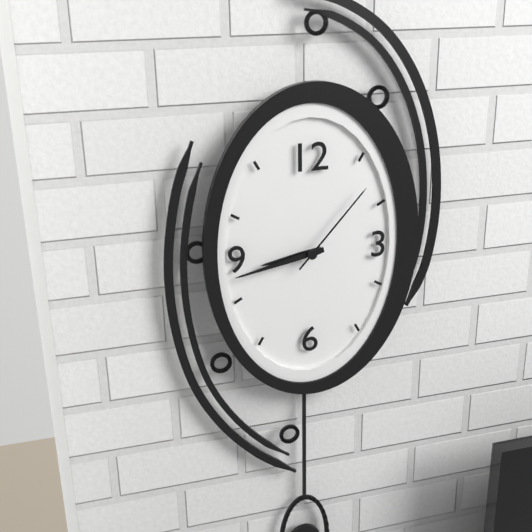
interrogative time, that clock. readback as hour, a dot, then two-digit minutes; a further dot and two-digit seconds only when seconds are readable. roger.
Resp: 8.43.07
